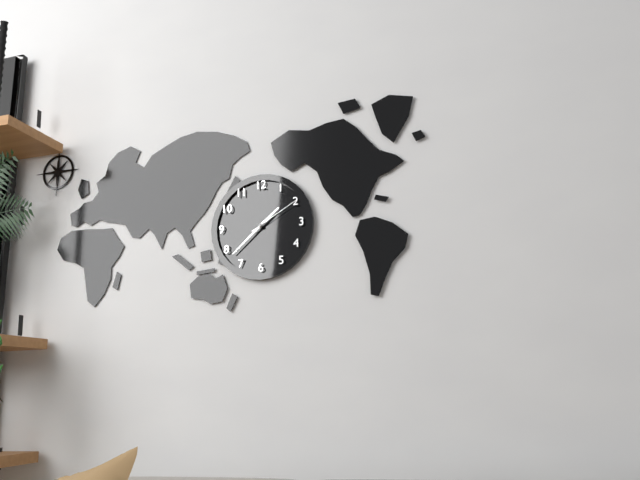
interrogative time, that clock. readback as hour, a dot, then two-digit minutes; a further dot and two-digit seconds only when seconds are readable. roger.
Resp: 1.38.10
